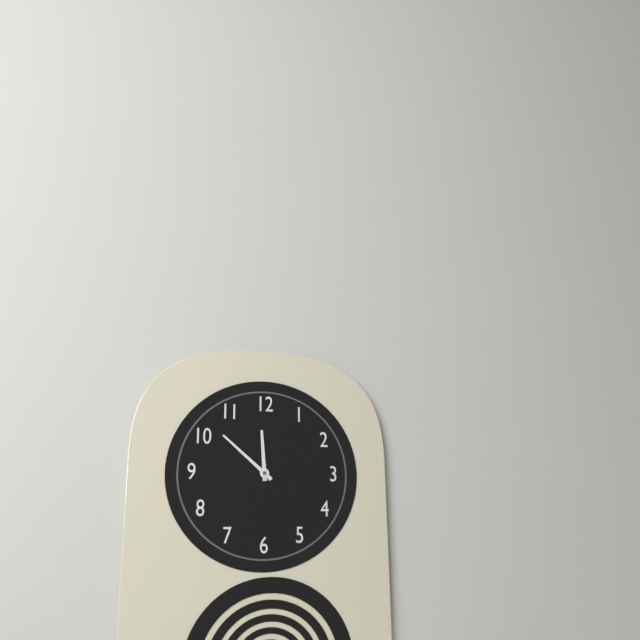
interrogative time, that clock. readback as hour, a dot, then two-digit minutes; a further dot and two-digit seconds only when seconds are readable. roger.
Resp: 11.52
